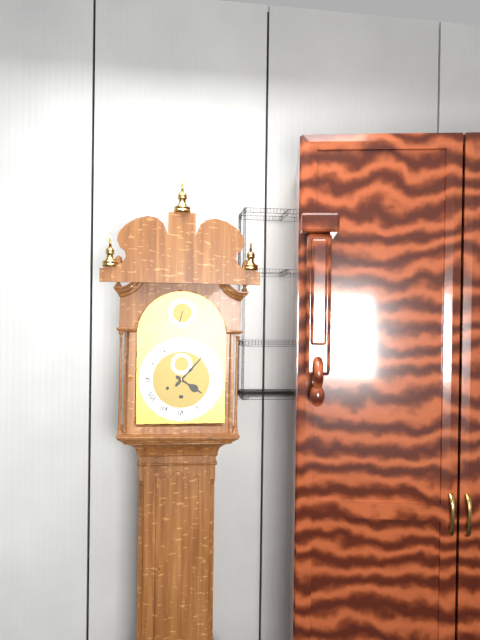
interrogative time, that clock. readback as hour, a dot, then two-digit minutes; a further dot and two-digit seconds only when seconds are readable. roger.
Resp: 4.07
